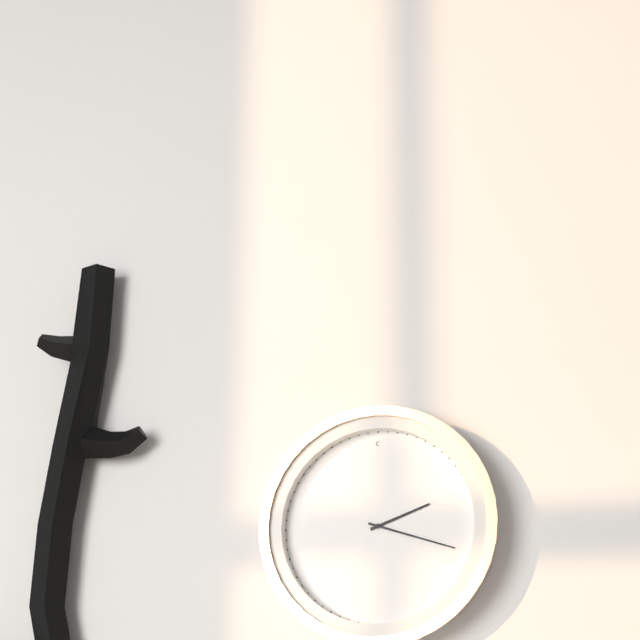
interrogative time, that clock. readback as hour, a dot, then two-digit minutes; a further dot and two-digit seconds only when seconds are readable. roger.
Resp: 2.18
